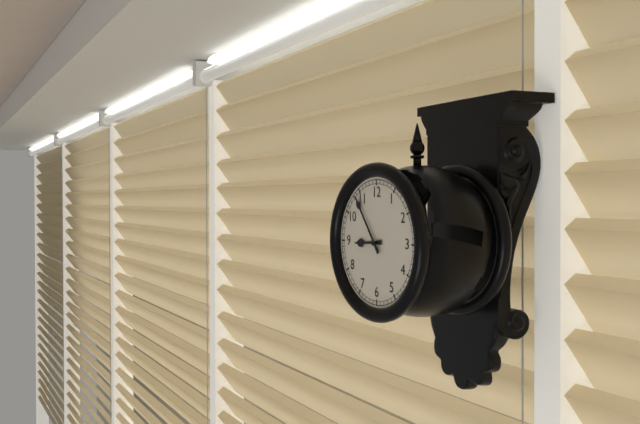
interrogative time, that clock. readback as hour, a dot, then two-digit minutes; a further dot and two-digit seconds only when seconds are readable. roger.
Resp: 8.54
